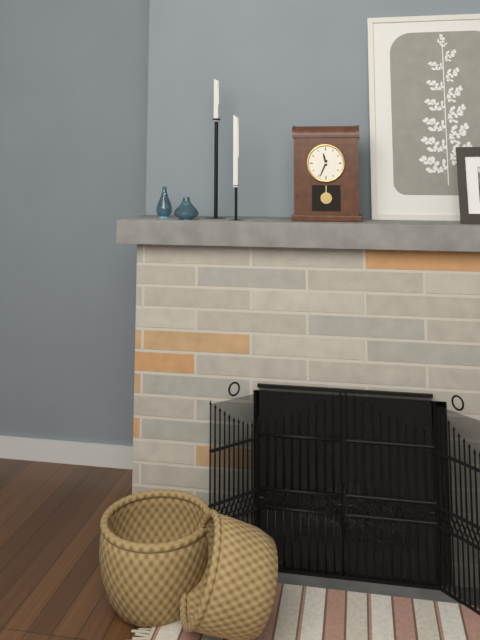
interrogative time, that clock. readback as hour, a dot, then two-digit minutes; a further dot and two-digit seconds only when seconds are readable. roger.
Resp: 11.34
